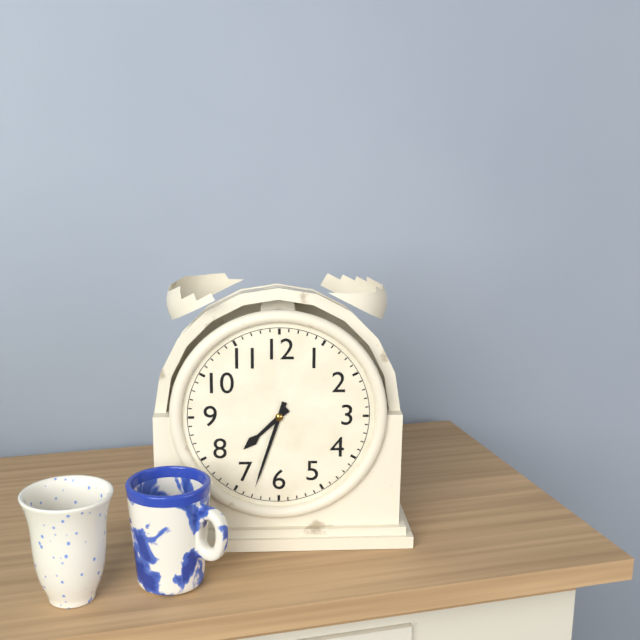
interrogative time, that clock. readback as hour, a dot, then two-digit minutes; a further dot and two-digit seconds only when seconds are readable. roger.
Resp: 7.33
